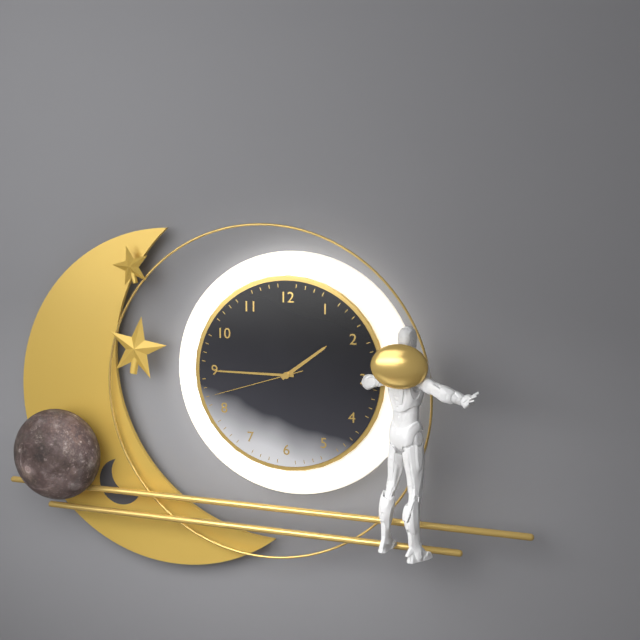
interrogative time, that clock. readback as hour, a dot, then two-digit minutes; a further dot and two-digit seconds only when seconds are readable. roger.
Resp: 1.45.42
